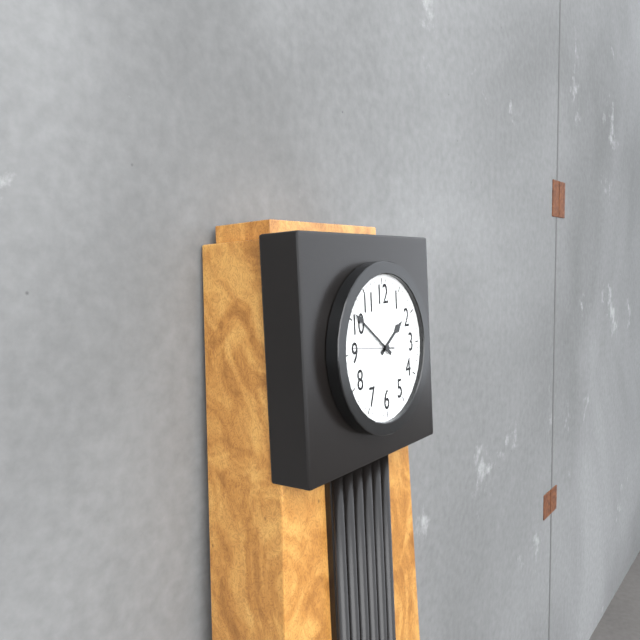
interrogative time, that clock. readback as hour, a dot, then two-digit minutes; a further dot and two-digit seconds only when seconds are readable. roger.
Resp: 1.51
